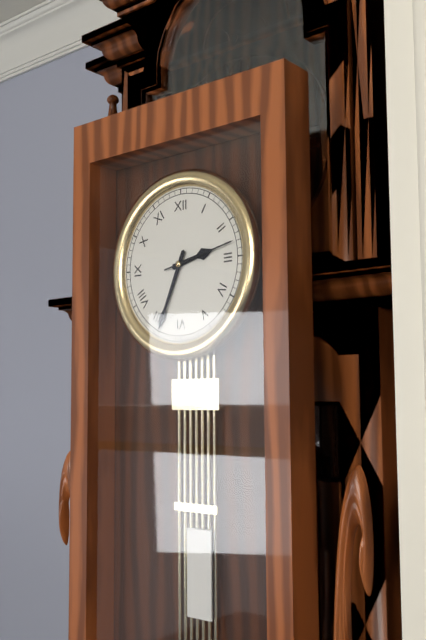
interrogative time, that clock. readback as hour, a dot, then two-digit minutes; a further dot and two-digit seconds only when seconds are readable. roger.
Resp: 2.34.13
